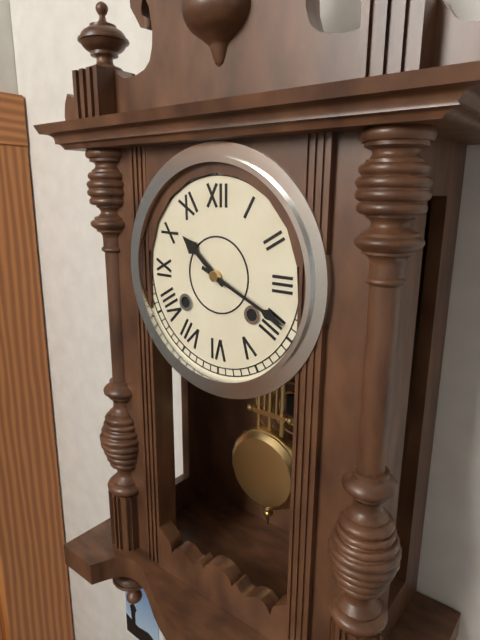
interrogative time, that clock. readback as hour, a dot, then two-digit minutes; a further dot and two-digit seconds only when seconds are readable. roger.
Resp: 10.19
